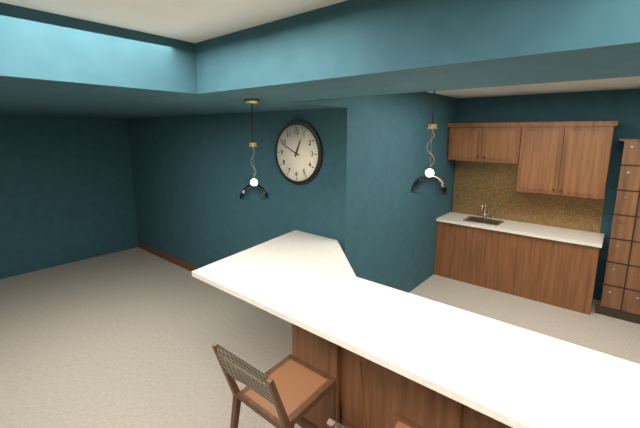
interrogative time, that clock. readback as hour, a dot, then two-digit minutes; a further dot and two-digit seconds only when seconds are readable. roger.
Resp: 12.49
